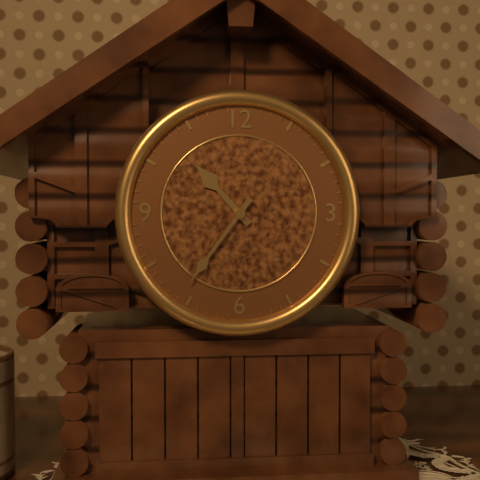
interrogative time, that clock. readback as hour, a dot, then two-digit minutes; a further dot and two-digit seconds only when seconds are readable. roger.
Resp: 10.36
